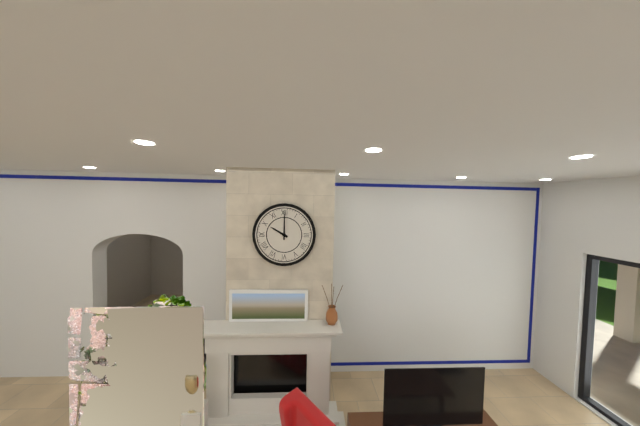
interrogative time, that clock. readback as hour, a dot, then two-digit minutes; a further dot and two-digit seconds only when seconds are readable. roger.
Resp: 10.00
